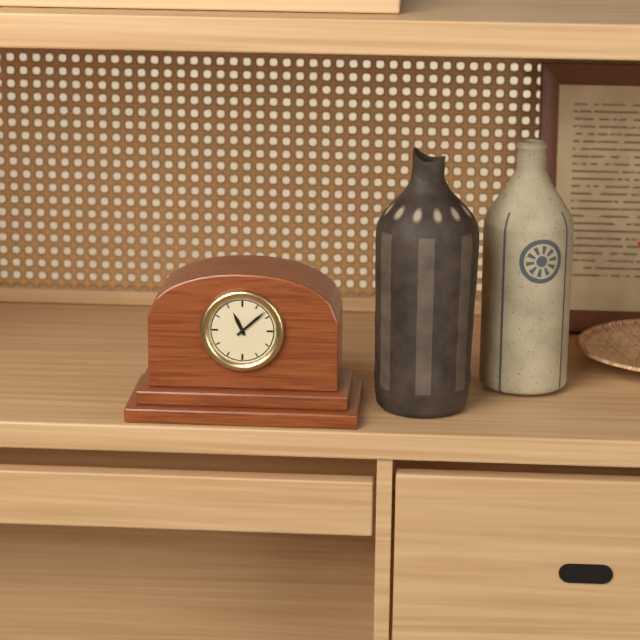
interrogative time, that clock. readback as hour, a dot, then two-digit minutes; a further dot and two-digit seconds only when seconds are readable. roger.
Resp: 11.08
